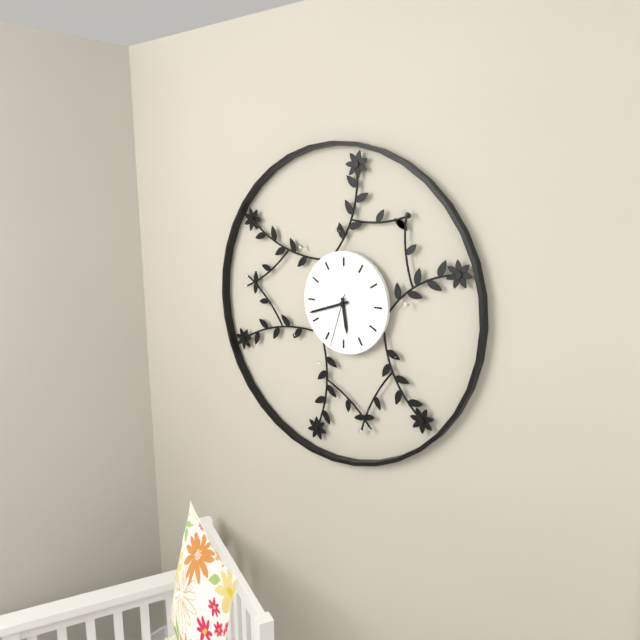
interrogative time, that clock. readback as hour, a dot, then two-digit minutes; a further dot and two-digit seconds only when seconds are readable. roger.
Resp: 5.42.33
